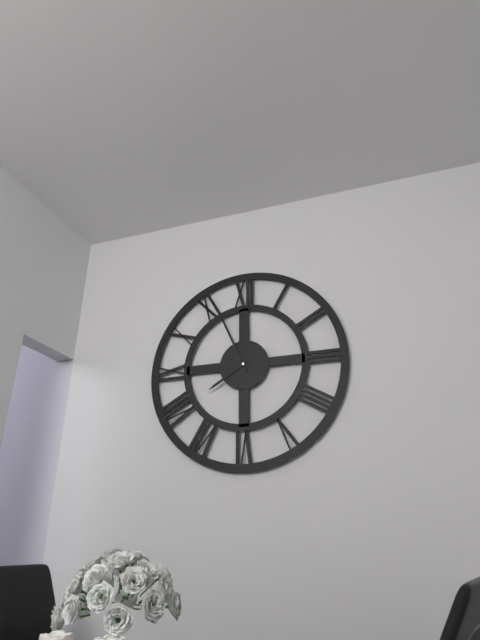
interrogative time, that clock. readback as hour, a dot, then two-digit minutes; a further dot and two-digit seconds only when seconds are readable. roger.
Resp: 7.56
